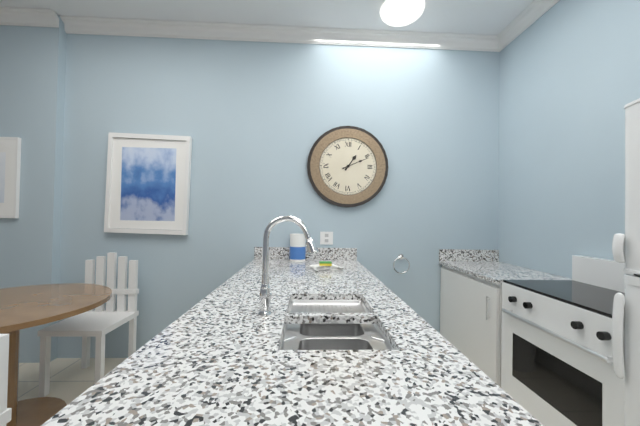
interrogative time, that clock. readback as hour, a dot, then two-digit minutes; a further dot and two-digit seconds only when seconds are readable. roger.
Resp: 1.11
